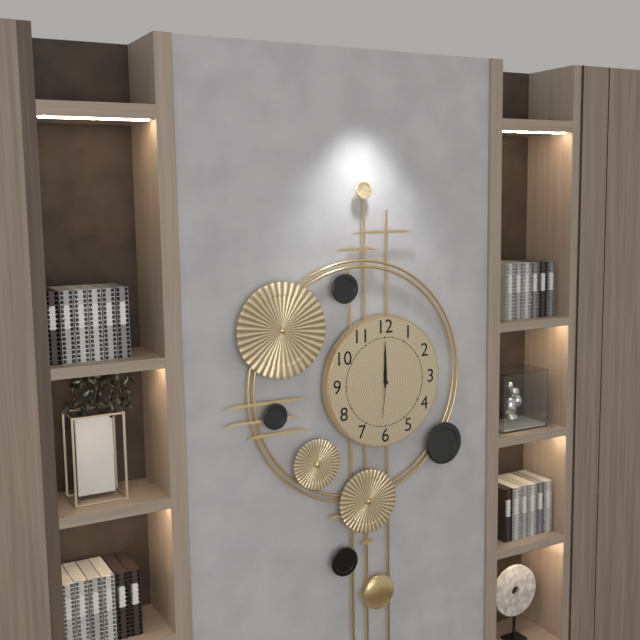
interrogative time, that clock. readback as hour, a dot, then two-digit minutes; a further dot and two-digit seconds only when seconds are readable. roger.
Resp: 12.00
